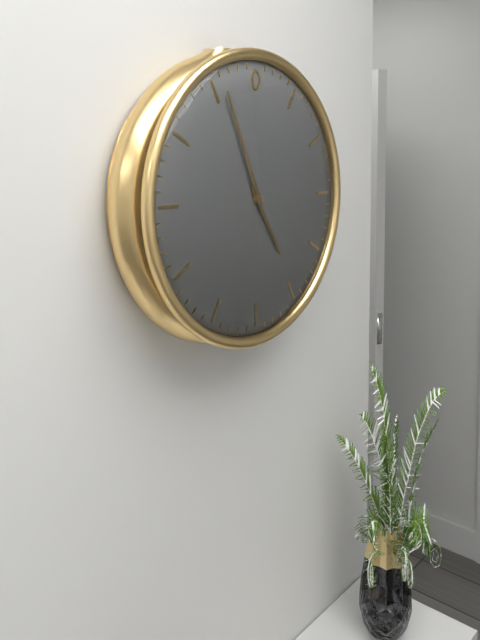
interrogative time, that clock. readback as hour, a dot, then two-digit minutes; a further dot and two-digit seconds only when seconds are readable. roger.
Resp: 4.56
